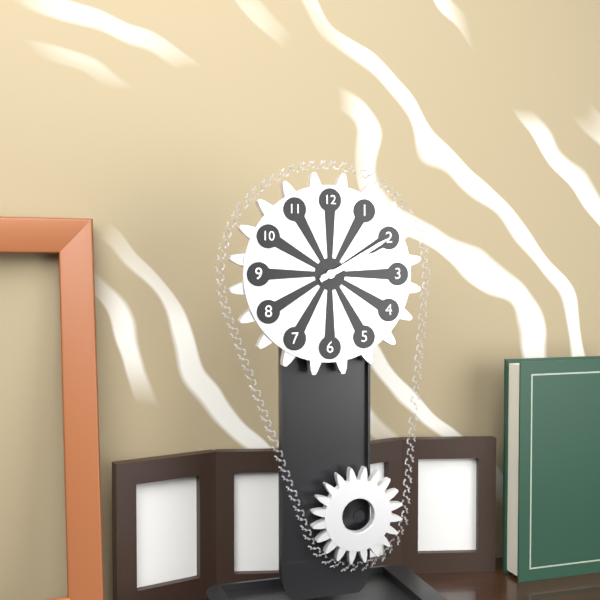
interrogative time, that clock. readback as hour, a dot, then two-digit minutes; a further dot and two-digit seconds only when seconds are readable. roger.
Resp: 2.10
